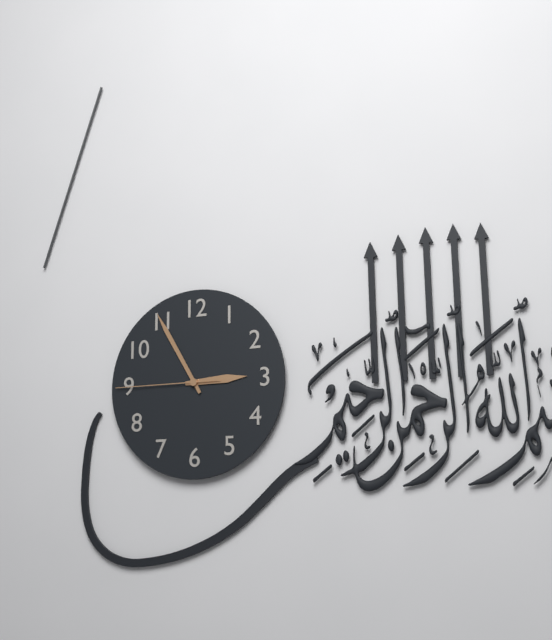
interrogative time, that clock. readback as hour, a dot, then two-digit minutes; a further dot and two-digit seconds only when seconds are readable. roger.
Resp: 2.55.45
